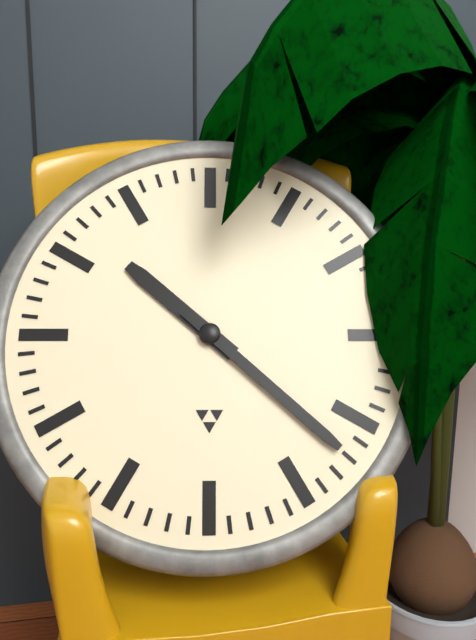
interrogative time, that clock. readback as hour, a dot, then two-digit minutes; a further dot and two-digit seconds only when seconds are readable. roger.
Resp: 10.22
